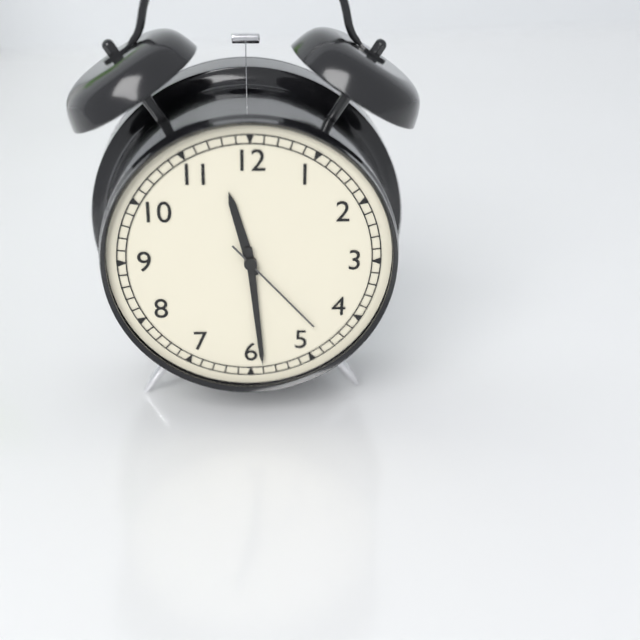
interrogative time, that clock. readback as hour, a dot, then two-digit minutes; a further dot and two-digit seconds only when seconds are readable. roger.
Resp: 11.29.23
